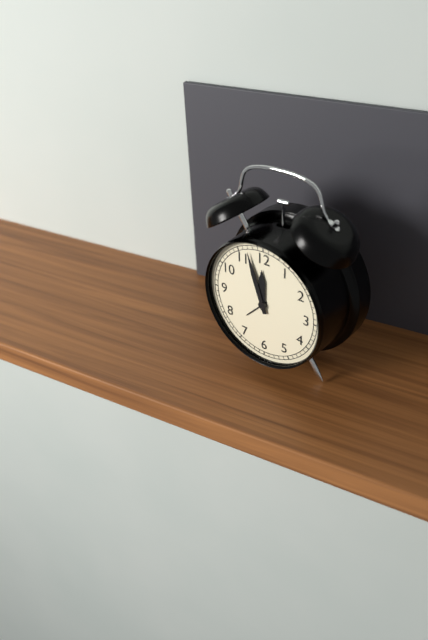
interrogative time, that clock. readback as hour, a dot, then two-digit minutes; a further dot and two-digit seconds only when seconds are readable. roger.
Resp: 11.57
